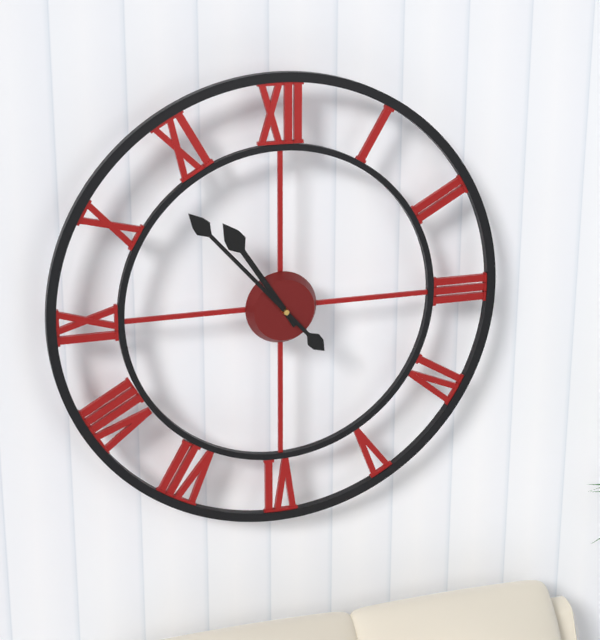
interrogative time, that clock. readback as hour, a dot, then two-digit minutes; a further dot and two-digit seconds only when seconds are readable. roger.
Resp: 10.53
